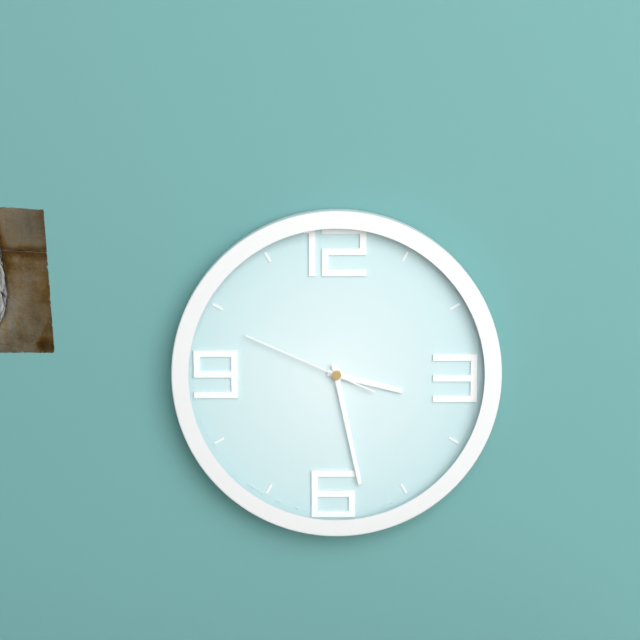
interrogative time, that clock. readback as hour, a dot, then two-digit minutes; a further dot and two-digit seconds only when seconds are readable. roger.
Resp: 3.28.49
